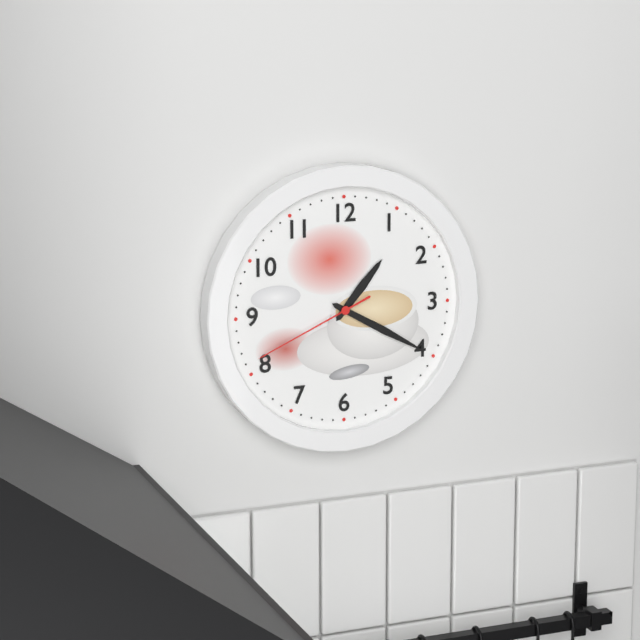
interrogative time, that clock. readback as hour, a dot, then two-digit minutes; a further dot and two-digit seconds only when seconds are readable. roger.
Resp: 1.20.41
